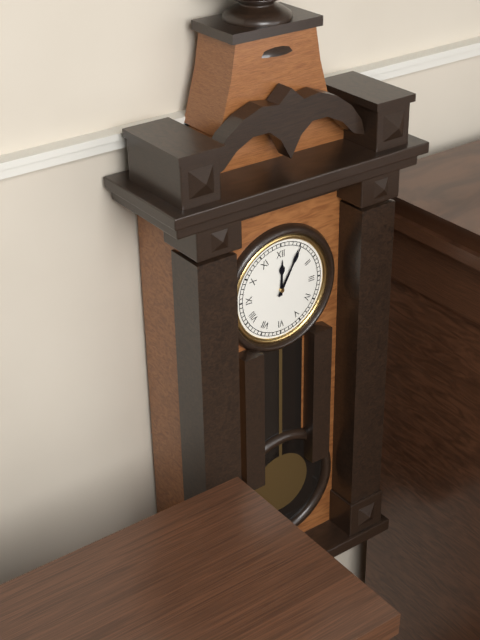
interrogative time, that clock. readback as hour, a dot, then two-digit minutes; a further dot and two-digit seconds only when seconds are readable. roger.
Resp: 12.05
